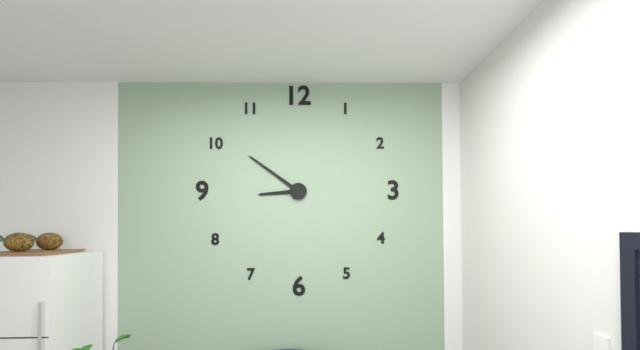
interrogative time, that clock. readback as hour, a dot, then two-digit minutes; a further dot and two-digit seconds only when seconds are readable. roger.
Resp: 8.51
